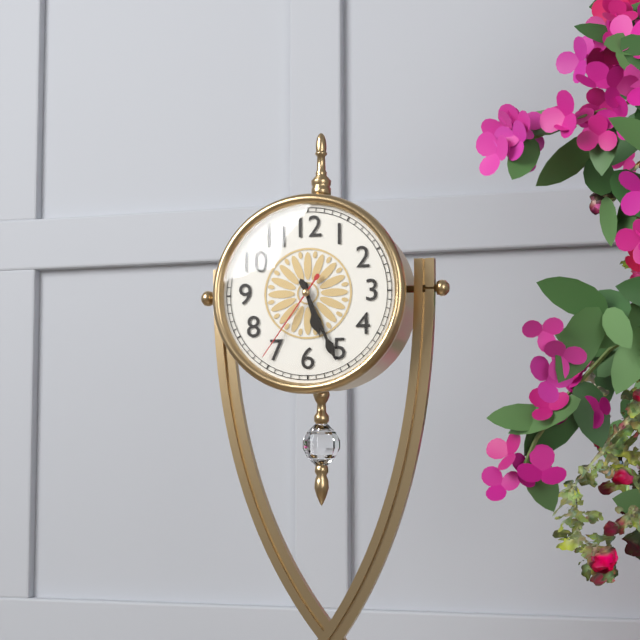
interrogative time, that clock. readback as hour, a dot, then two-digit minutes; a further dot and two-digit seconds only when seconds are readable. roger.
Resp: 5.26.36
